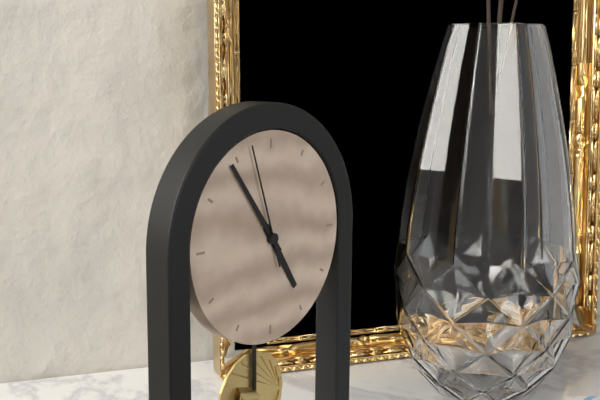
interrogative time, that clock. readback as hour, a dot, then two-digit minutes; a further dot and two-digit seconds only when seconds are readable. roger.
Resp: 4.54.57
